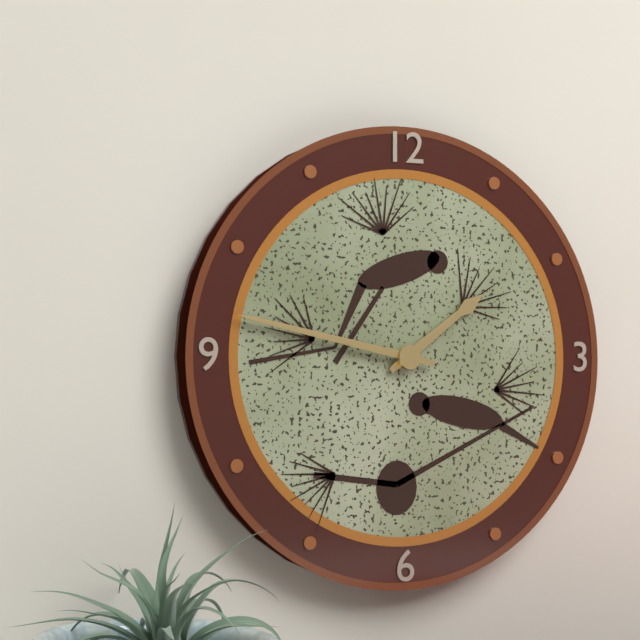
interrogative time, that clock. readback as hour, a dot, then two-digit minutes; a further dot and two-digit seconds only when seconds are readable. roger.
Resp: 1.47
